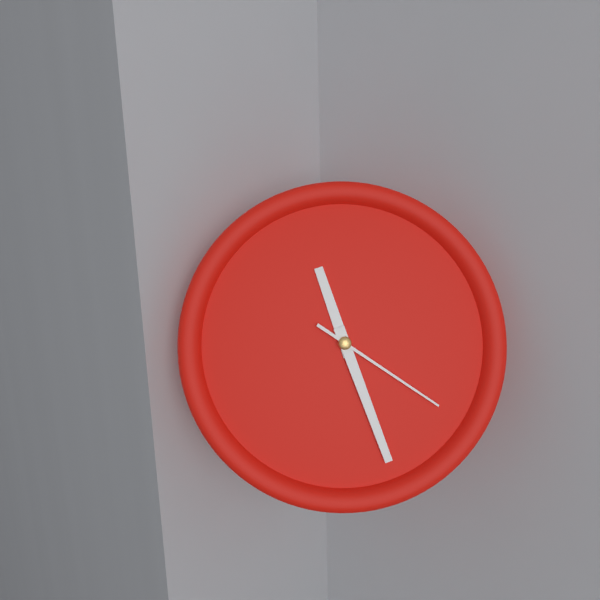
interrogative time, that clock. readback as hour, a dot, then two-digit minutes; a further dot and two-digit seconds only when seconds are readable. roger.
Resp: 11.27.21
